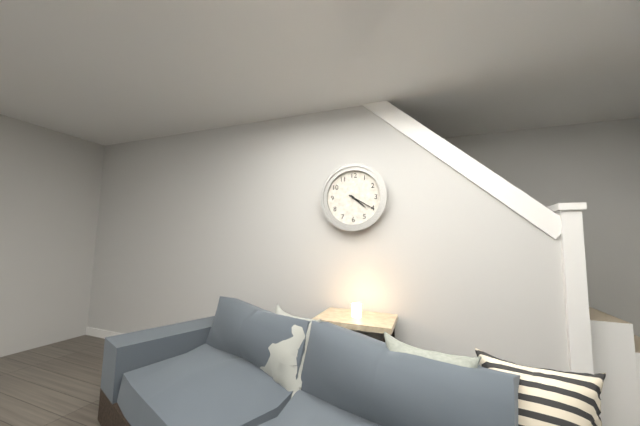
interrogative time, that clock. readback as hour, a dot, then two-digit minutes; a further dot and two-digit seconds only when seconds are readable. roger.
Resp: 4.20
